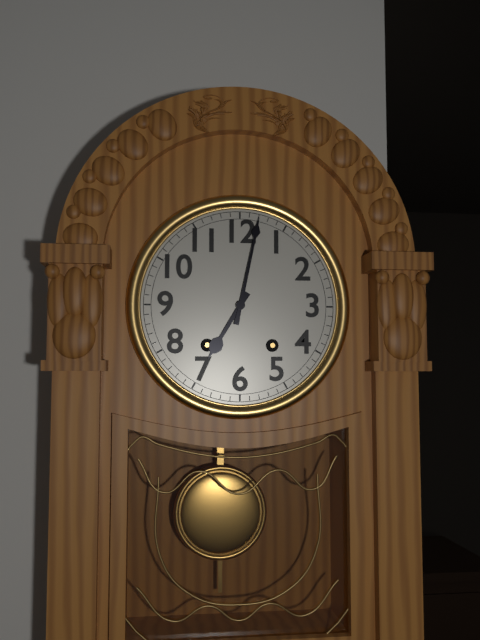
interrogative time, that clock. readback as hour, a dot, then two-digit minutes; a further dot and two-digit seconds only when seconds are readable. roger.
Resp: 7.02
